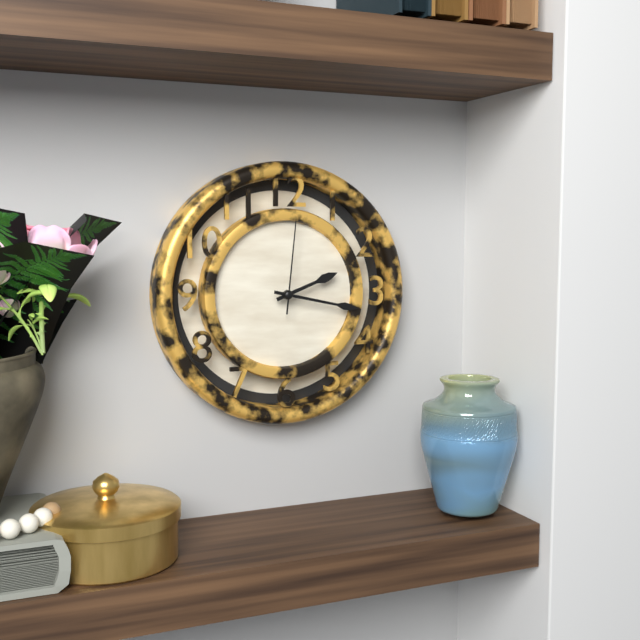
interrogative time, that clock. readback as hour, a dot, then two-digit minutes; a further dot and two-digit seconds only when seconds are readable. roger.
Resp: 2.17.01
